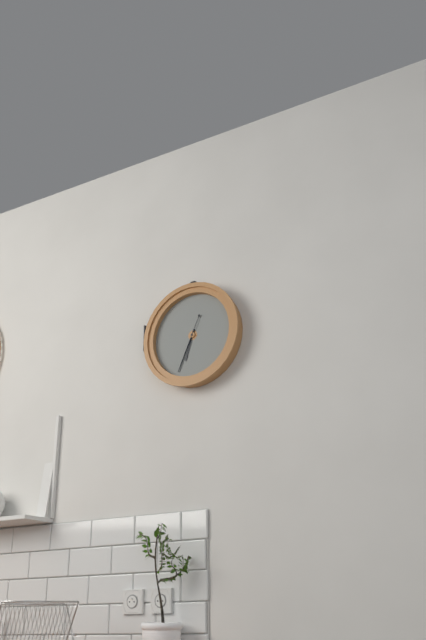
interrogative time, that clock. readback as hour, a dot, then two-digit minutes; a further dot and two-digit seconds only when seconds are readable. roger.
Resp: 6.34
